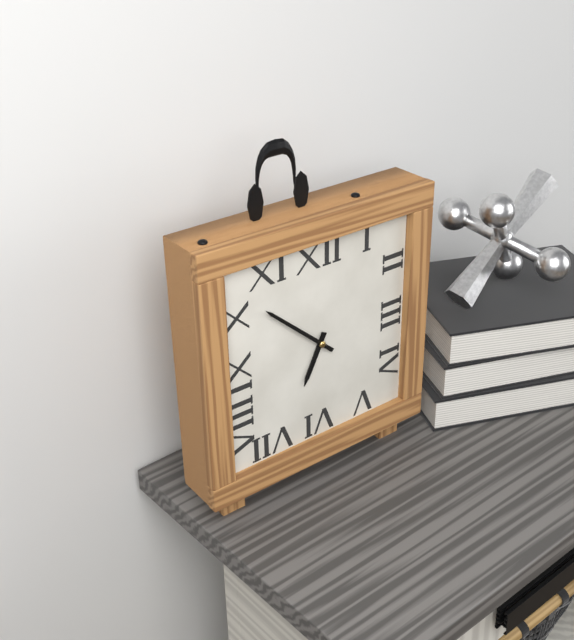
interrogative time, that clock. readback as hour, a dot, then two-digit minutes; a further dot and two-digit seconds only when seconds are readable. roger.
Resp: 6.52
